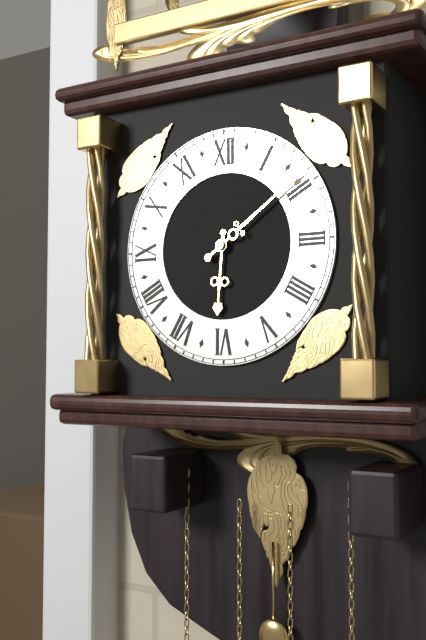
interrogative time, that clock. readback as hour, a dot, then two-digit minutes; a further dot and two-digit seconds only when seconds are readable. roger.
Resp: 6.09
